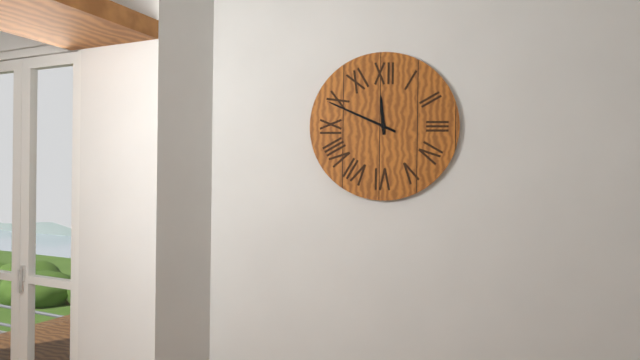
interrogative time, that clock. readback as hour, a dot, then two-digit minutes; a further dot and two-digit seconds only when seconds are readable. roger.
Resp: 11.49
